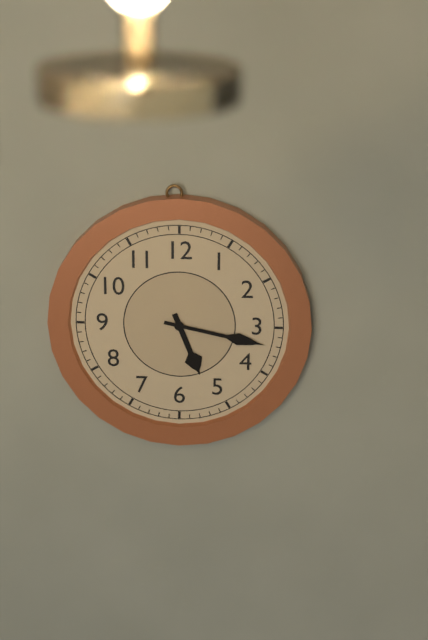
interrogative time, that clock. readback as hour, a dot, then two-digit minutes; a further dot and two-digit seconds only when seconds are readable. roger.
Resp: 5.17
